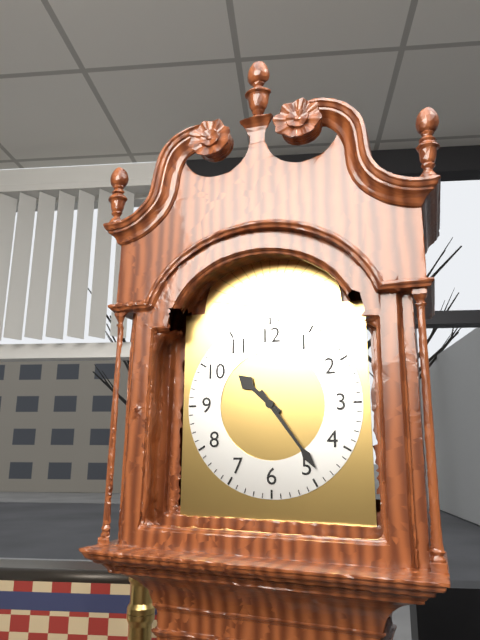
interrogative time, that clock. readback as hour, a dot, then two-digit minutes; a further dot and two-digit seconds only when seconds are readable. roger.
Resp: 10.24
